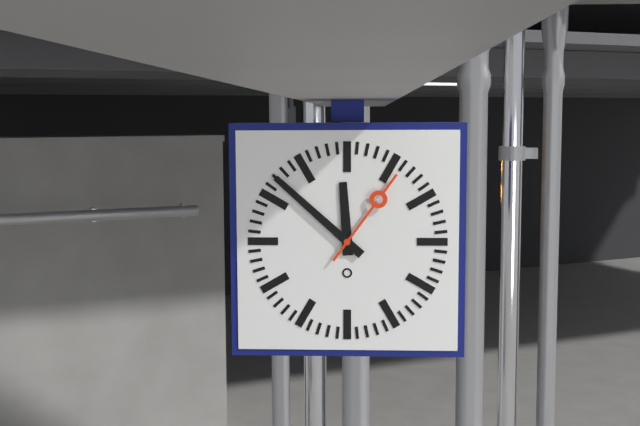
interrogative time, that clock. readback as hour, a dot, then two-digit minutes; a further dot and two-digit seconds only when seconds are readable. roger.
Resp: 11.52.06
